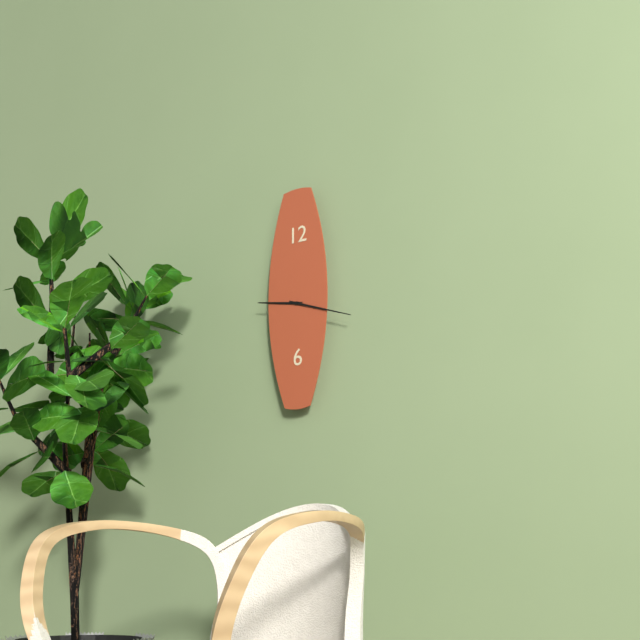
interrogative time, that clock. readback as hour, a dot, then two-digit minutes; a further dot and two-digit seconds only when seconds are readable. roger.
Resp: 9.18
